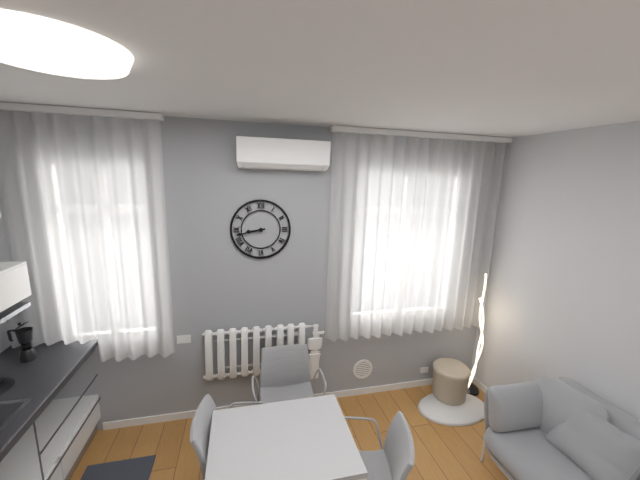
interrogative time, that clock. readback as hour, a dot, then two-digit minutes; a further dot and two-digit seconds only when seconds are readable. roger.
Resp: 8.43
